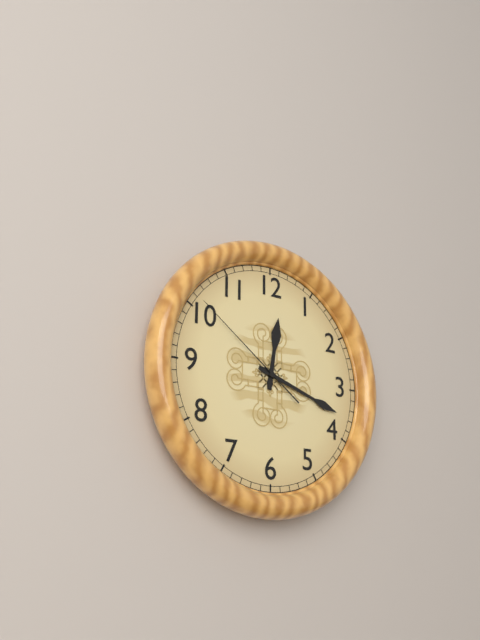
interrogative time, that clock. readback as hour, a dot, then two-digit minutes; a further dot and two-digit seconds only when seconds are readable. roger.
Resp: 12.18.51
